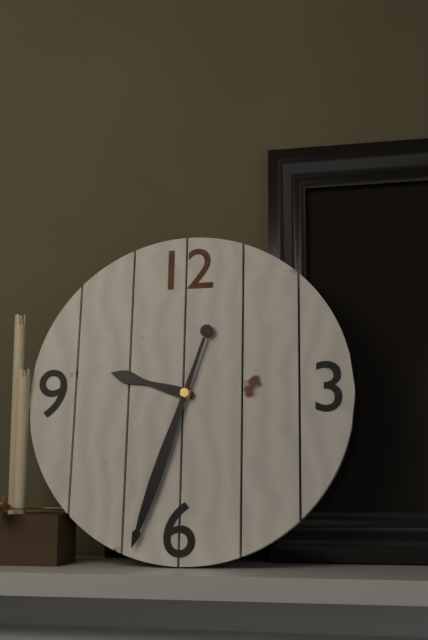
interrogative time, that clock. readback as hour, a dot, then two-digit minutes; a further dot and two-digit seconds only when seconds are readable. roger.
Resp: 9.33
